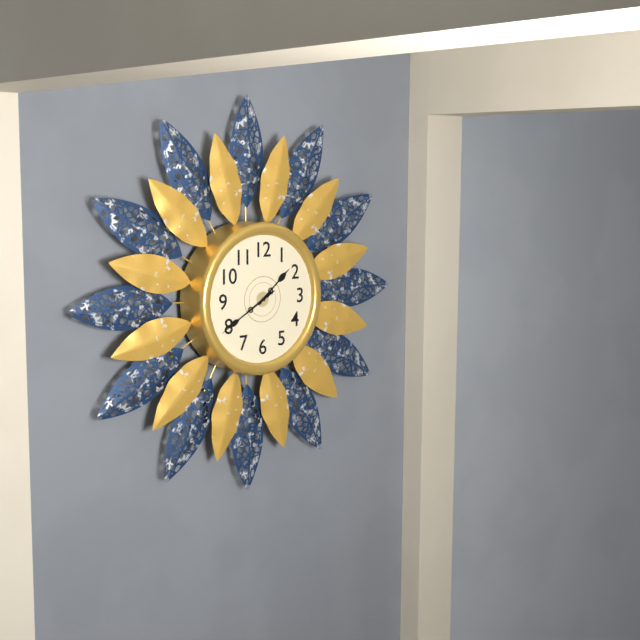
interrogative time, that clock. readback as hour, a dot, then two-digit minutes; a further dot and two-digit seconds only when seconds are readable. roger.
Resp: 1.40.40
